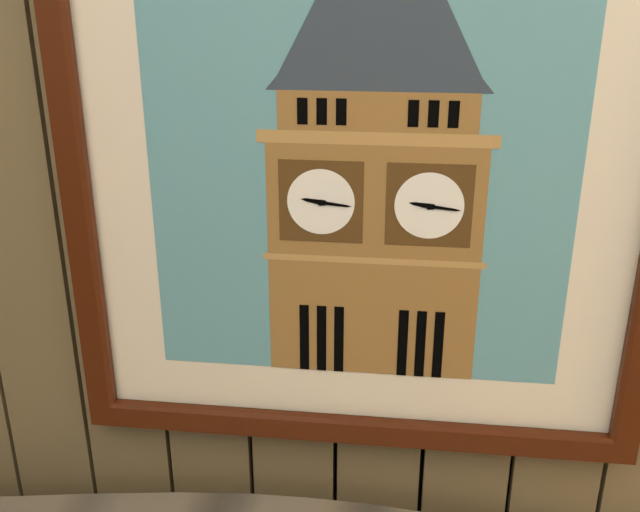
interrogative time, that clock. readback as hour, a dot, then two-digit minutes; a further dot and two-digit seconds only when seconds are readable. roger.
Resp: 9.16
